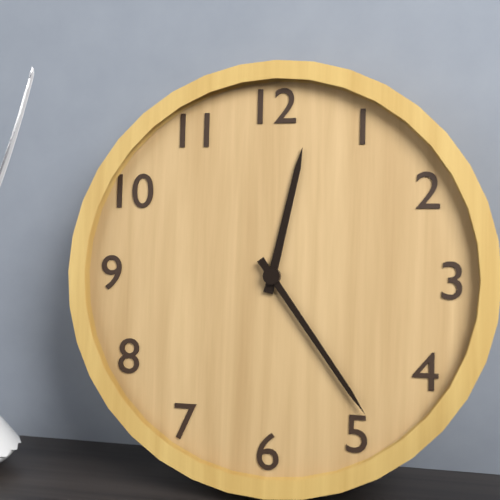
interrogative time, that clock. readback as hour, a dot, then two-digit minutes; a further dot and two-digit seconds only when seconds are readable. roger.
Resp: 12.24
